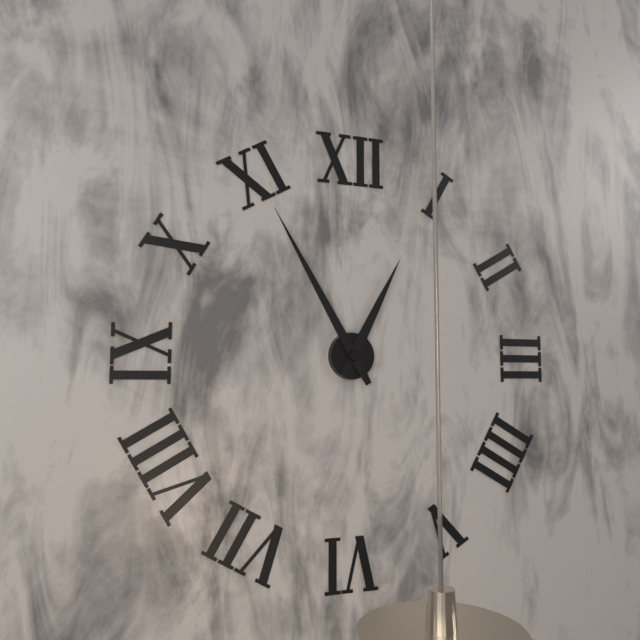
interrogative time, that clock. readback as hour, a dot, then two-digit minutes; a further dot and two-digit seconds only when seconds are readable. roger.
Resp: 12.55
